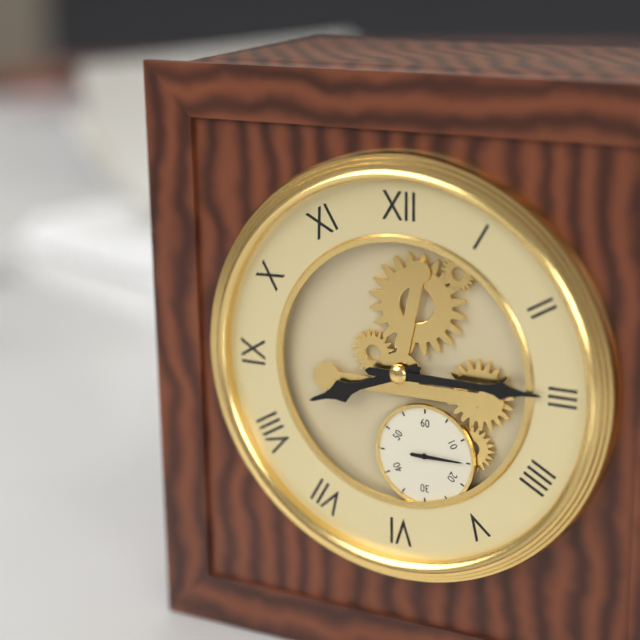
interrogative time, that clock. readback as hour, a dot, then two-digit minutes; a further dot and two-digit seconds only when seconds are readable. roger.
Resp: 8.15
